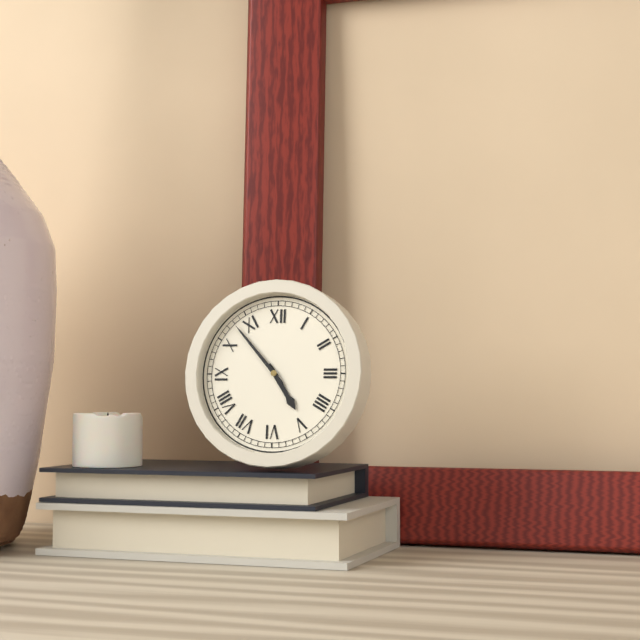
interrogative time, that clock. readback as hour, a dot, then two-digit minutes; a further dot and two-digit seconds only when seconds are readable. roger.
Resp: 4.53
